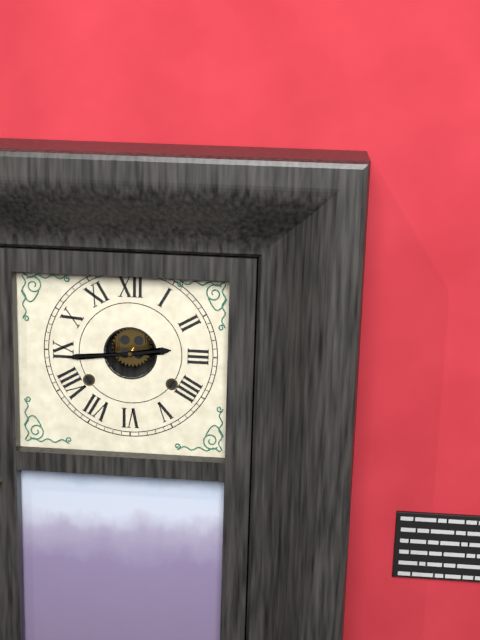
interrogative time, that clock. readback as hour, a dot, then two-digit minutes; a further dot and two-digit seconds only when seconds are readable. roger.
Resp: 2.44
